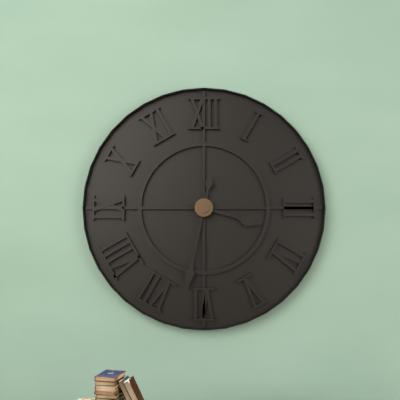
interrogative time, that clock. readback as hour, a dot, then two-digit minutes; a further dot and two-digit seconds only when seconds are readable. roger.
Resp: 3.32
